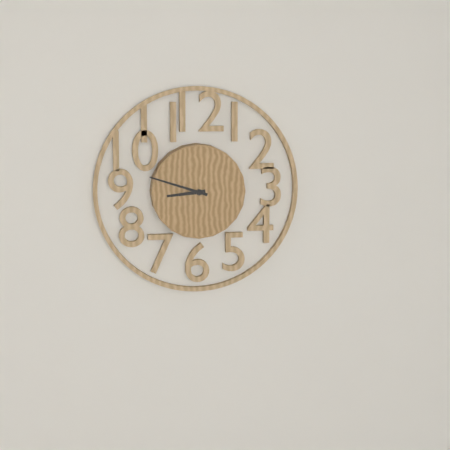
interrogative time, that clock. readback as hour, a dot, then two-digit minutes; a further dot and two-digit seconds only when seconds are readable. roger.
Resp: 8.48
